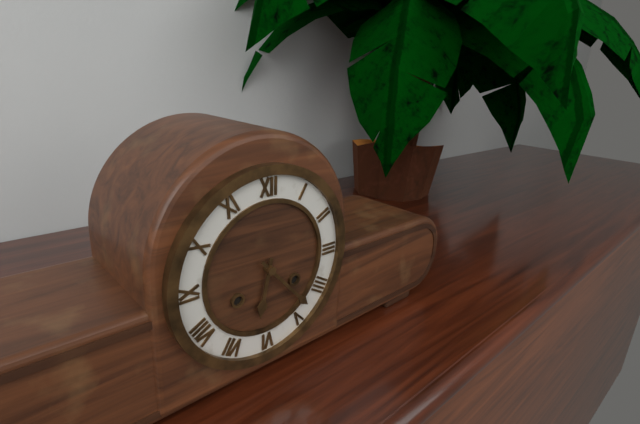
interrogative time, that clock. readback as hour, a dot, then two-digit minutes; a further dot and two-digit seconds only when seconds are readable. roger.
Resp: 6.23
